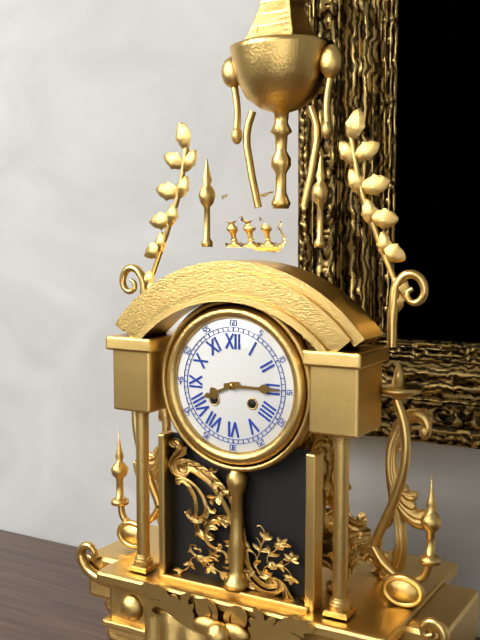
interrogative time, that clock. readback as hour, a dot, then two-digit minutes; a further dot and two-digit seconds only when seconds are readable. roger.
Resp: 8.15
